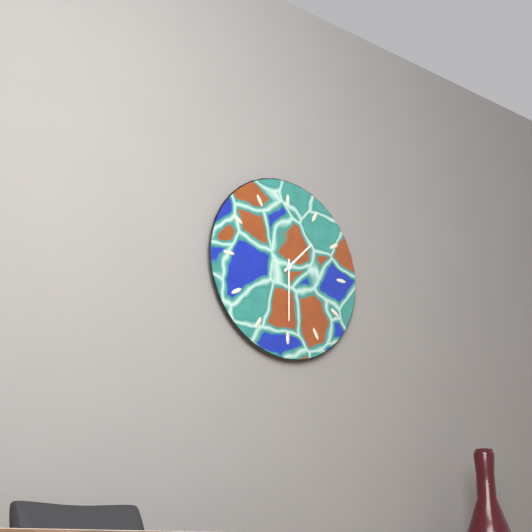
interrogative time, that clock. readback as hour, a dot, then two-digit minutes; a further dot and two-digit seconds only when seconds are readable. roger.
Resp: 1.30
